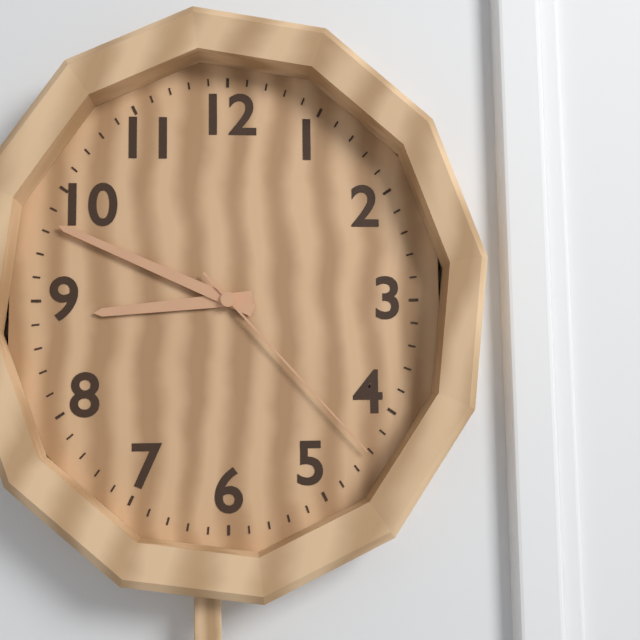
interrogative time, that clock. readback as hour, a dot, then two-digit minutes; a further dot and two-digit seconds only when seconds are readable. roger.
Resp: 8.49.23
